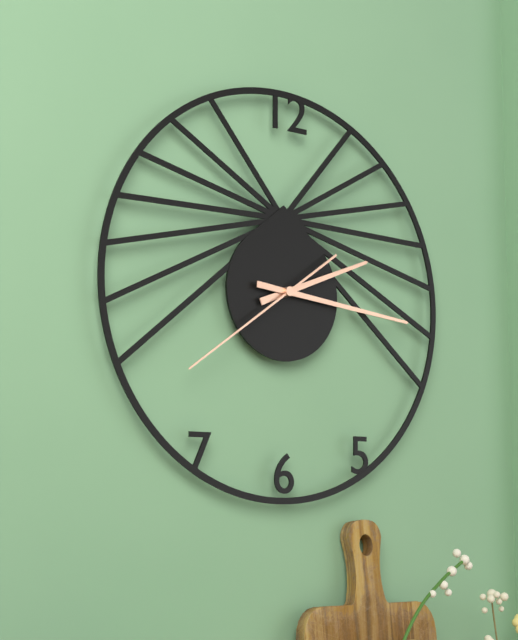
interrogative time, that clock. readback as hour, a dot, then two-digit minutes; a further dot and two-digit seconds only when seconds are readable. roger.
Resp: 2.16.39
